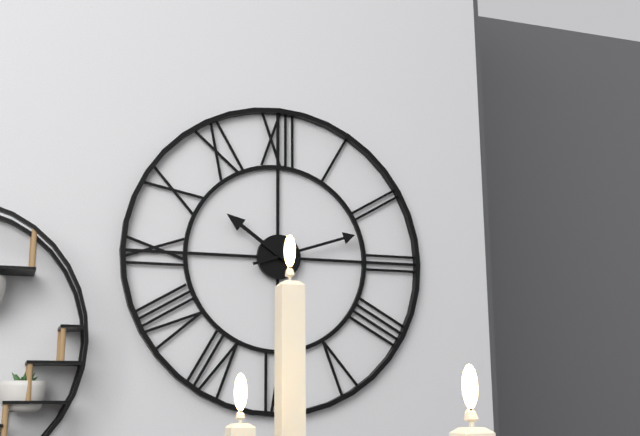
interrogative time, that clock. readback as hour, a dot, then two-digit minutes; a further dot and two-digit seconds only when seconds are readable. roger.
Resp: 10.12
